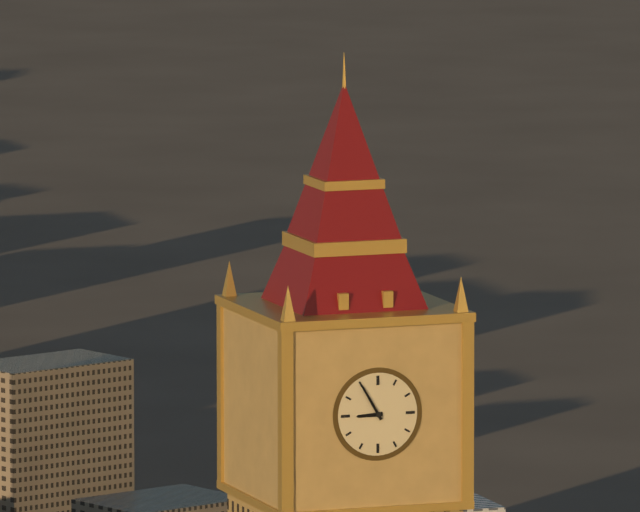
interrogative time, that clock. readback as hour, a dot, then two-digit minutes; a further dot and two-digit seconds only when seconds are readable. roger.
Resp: 8.55
